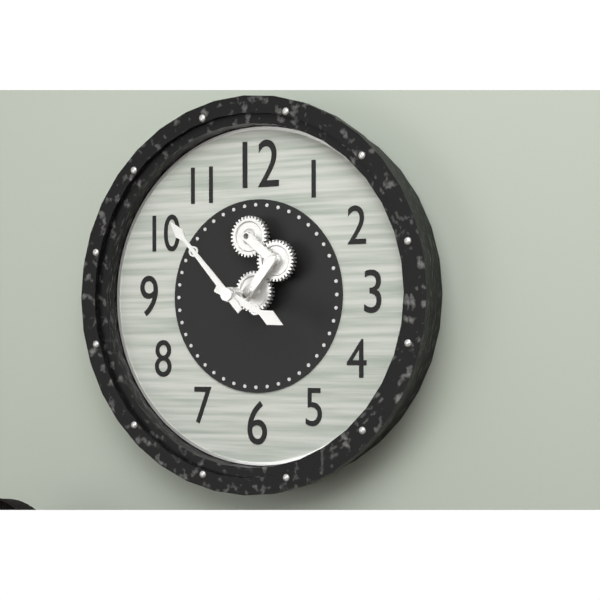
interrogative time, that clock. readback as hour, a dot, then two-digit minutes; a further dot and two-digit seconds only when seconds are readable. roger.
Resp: 3.53
